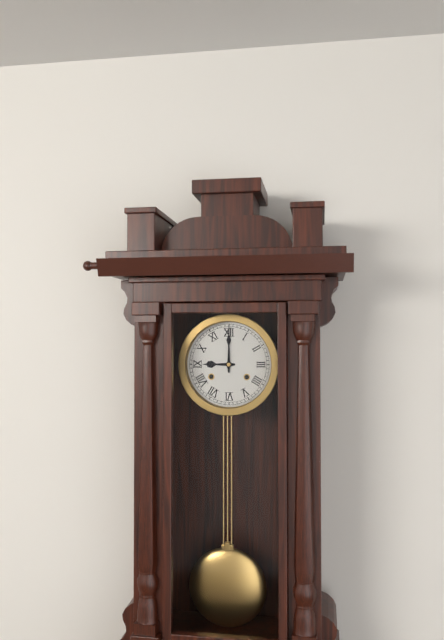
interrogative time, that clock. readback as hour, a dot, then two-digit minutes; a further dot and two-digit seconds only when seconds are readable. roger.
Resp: 9.00
